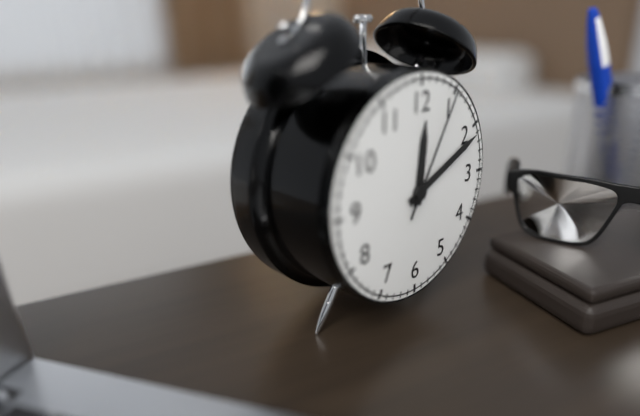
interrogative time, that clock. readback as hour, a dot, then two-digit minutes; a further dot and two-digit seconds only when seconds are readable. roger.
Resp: 12.11.05
